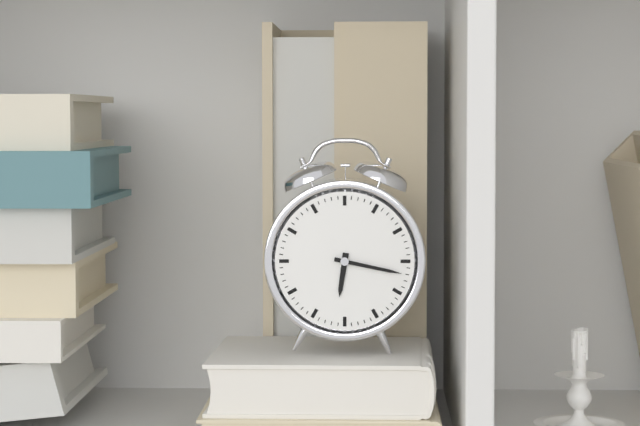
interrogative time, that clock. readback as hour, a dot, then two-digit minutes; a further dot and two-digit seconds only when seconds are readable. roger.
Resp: 6.17
